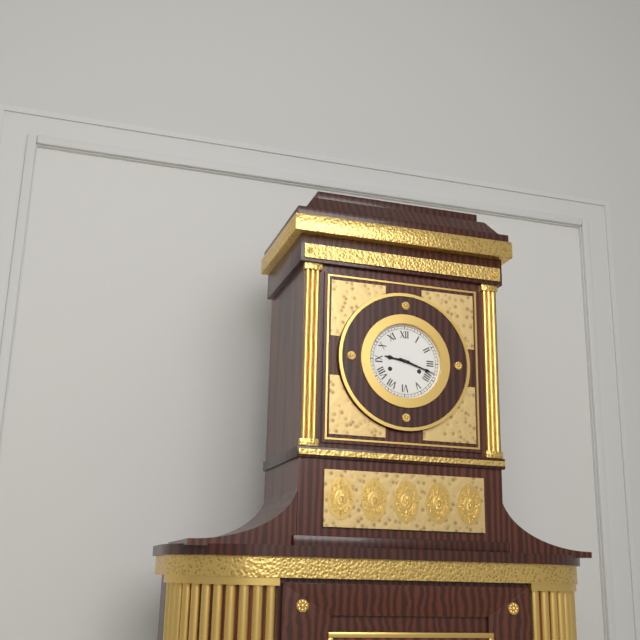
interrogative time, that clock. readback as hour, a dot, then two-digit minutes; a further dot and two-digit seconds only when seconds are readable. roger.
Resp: 9.18
